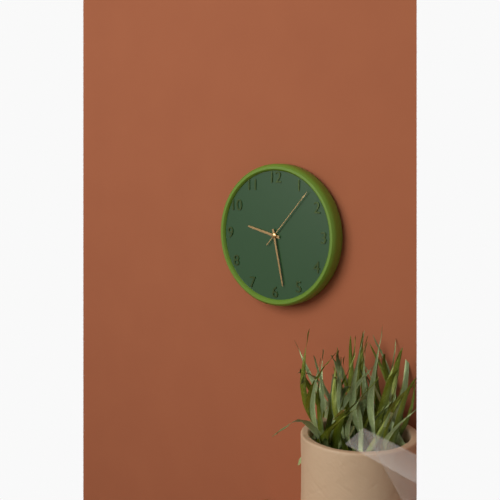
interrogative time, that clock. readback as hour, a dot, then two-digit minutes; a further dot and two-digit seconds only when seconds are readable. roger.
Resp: 9.28.07
